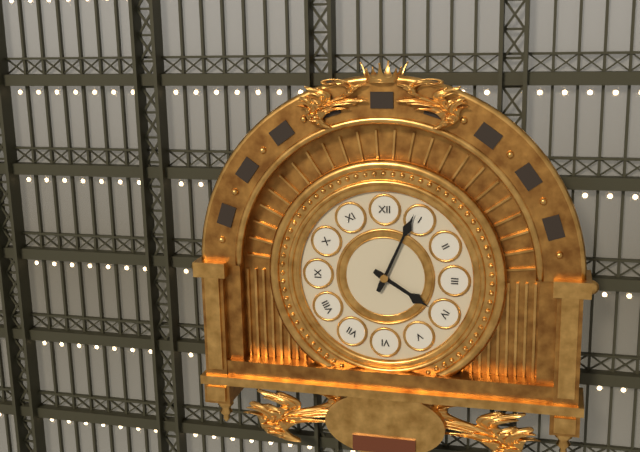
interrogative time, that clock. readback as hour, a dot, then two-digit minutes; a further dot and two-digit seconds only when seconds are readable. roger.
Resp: 4.04
